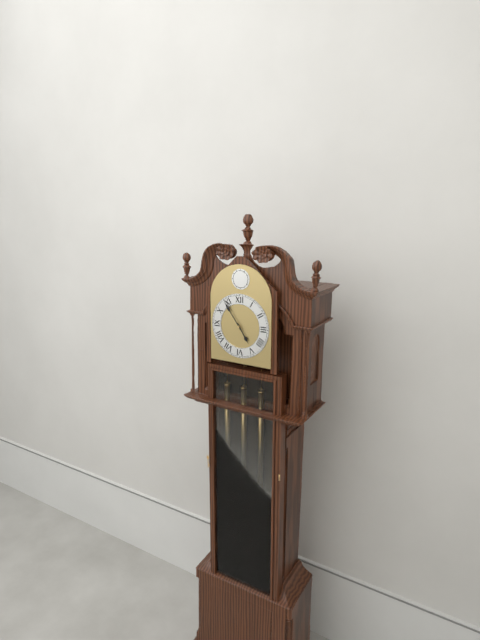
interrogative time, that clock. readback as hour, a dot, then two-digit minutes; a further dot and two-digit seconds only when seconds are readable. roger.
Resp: 4.54
